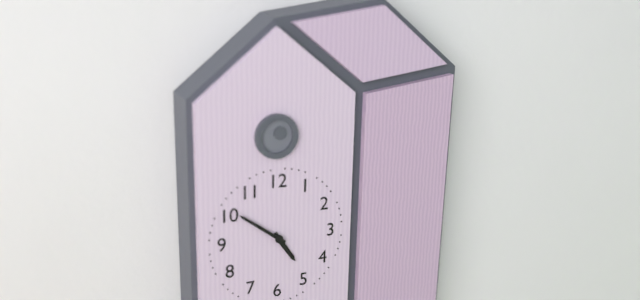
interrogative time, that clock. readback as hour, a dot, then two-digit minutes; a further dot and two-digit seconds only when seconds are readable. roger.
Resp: 4.51
